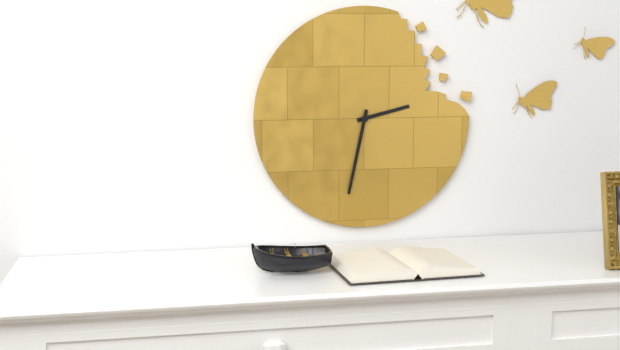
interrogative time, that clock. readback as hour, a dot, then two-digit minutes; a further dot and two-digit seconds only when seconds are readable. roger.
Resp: 2.32
